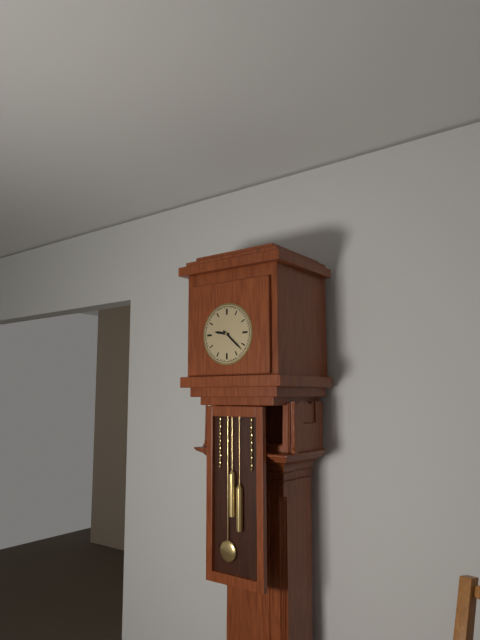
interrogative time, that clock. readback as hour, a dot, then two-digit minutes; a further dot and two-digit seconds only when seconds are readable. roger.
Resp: 9.22
